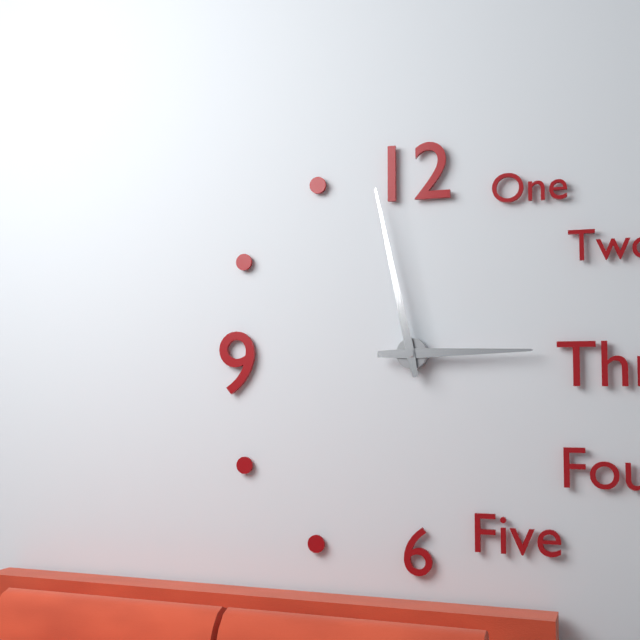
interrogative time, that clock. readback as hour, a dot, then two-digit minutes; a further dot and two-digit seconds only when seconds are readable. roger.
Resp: 2.58
